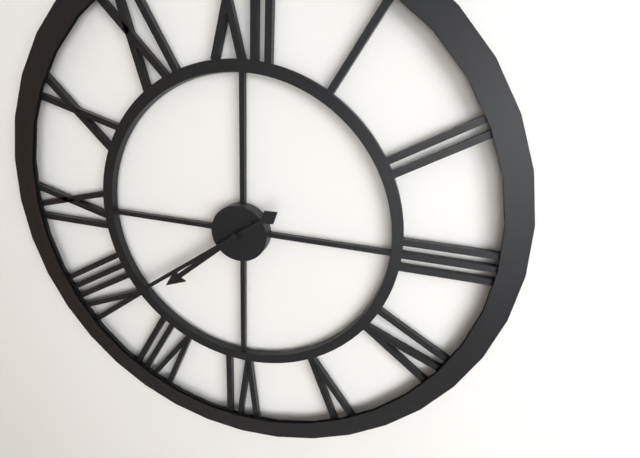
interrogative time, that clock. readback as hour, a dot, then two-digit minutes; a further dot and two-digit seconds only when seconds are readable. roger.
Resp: 7.39
